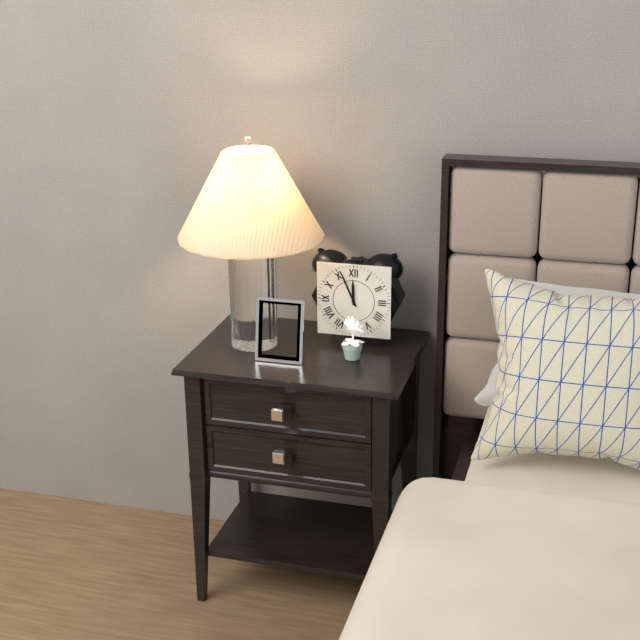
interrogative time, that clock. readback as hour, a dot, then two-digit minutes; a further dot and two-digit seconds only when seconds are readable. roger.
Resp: 11.56
